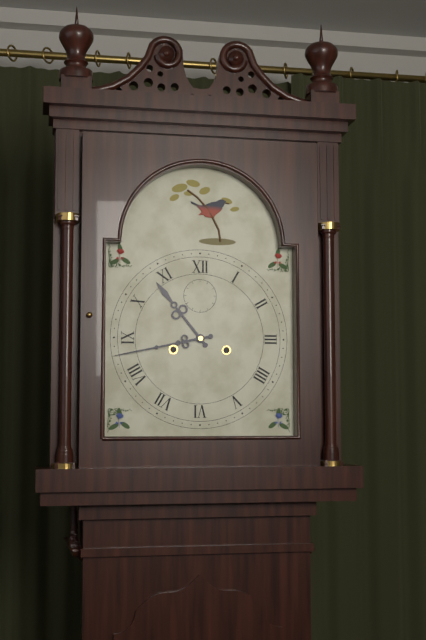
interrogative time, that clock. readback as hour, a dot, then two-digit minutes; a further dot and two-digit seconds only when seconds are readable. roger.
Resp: 10.43
